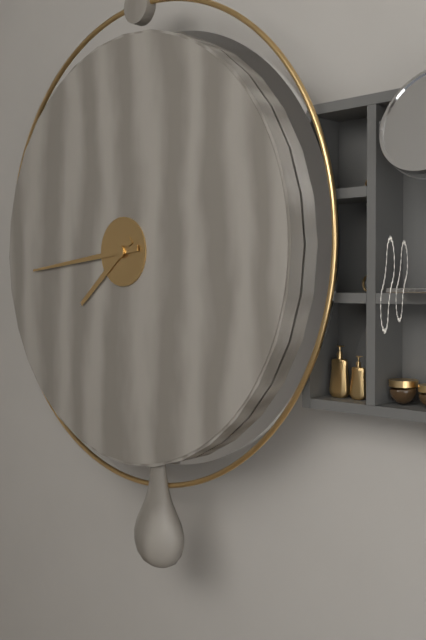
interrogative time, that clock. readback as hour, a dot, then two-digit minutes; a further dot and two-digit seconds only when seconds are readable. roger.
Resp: 7.44
